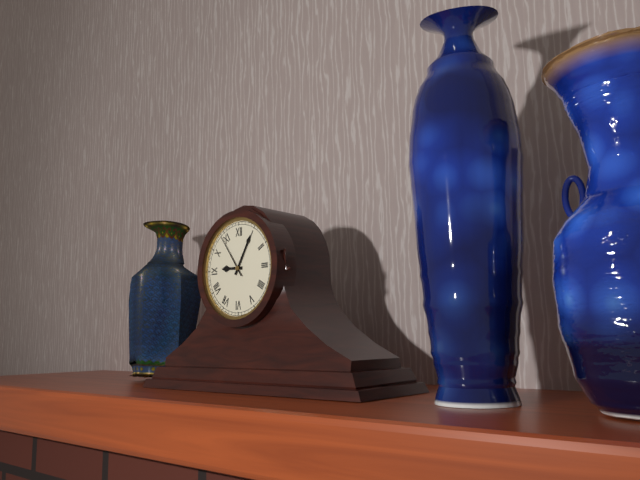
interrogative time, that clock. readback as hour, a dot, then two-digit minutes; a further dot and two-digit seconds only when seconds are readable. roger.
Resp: 9.05
